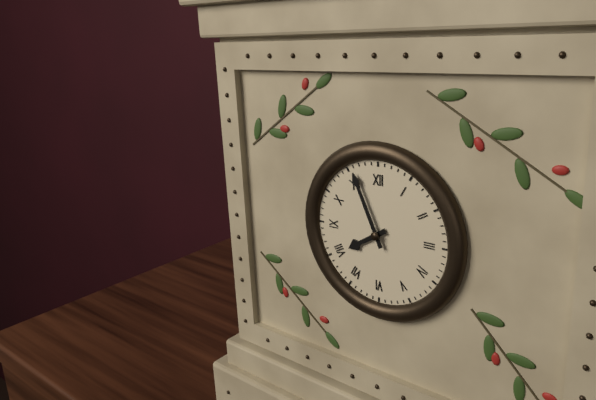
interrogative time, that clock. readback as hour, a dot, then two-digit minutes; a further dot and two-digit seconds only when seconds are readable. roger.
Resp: 7.56
